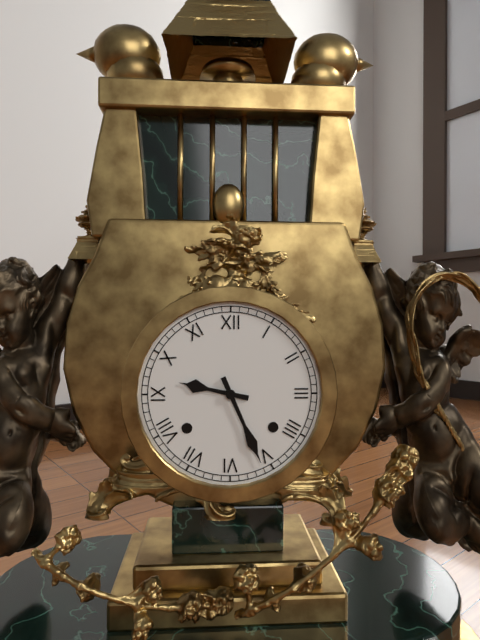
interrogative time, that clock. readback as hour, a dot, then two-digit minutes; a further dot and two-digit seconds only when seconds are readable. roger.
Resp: 9.26
